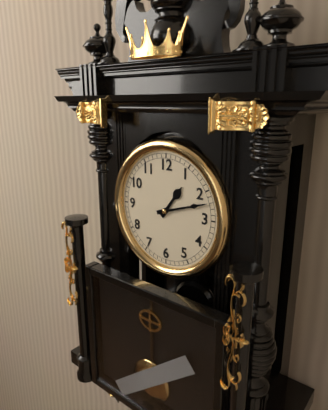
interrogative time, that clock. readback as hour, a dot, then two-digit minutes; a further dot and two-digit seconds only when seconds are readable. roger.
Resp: 1.12
